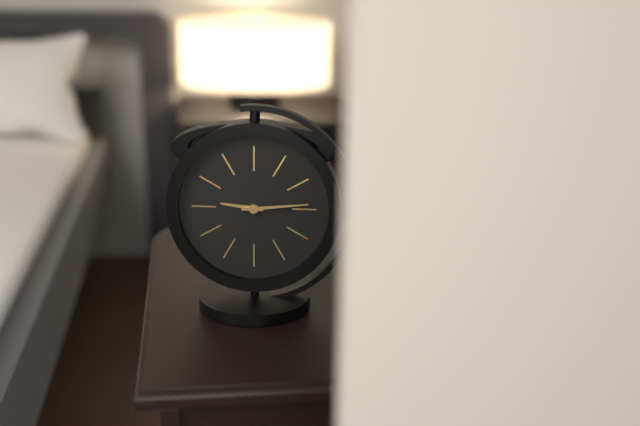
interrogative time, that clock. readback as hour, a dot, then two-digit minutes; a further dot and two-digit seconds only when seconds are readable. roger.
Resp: 9.14
